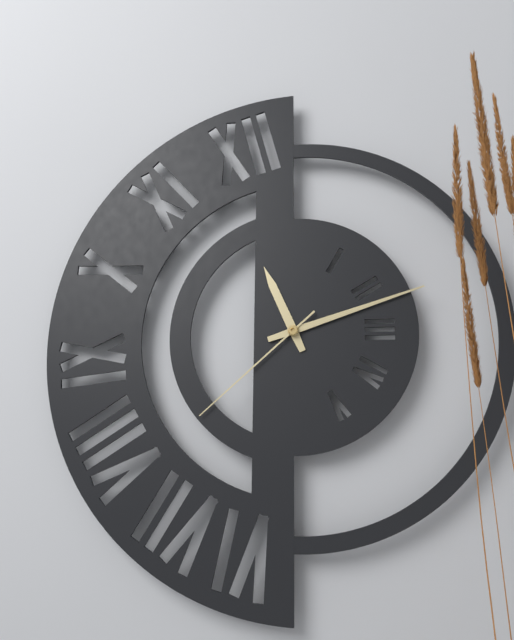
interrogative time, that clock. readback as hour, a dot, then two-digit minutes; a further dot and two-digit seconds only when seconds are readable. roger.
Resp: 11.12.38
